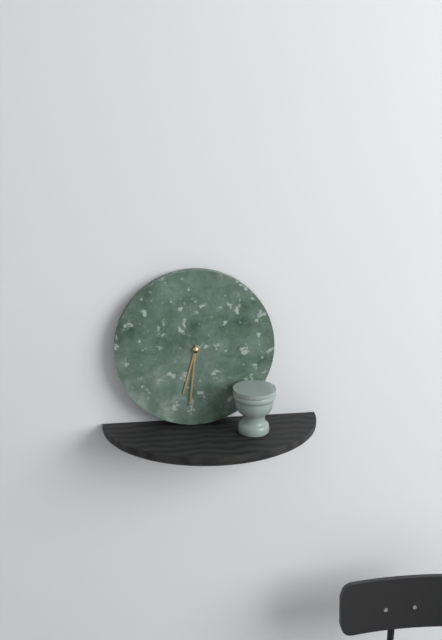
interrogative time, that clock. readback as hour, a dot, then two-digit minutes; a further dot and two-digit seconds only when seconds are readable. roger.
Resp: 6.31
